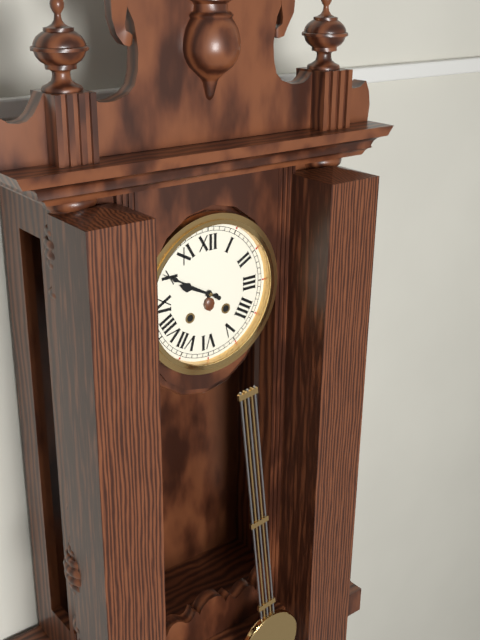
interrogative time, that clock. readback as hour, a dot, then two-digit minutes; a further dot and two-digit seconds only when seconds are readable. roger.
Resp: 9.50
